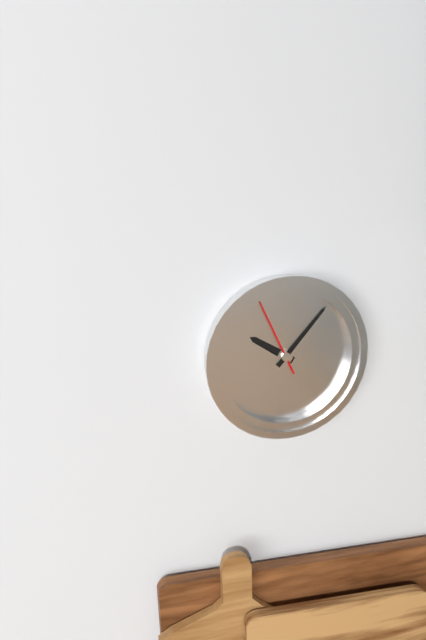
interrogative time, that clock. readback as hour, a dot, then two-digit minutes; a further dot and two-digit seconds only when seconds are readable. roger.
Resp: 10.07.56
